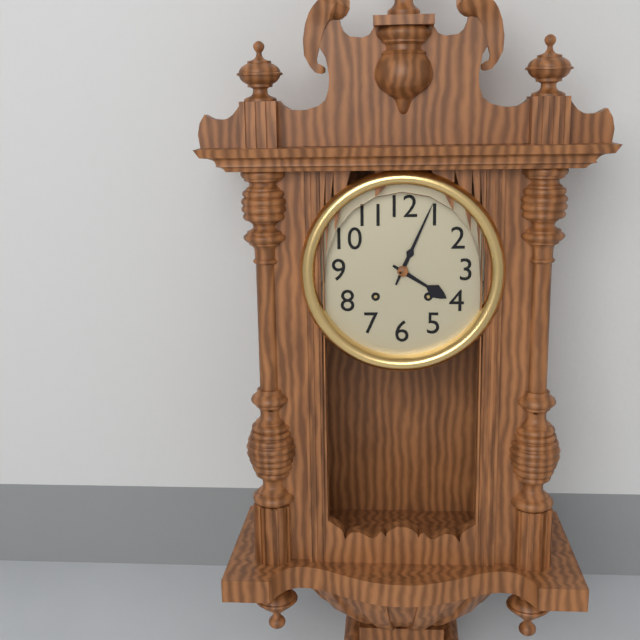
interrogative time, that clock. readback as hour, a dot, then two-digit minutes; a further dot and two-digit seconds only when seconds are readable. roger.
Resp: 4.04
